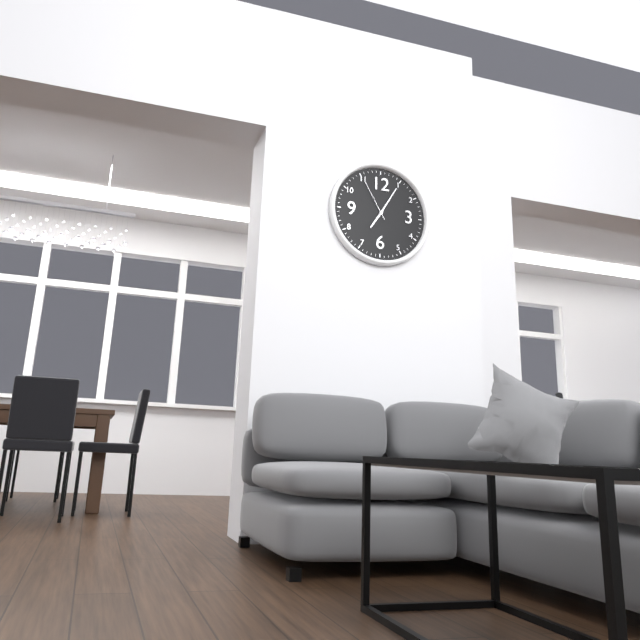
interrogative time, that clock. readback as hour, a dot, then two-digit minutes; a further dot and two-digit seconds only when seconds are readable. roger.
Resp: 7.05
